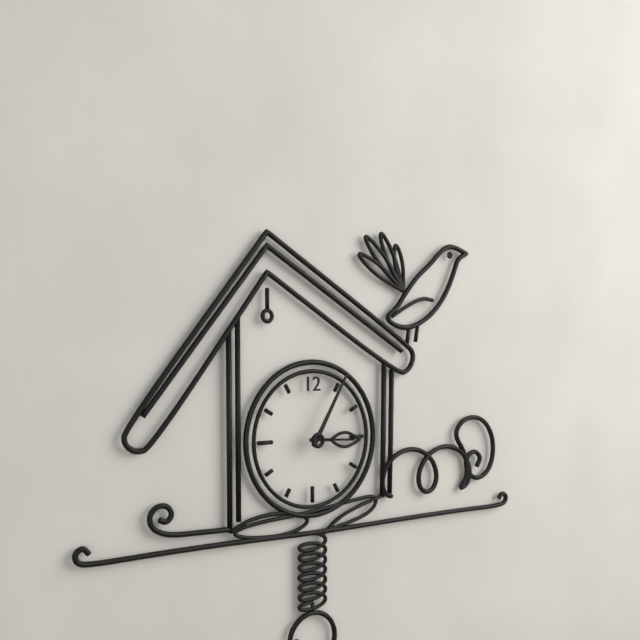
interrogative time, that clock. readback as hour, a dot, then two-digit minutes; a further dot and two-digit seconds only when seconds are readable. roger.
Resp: 3.05
